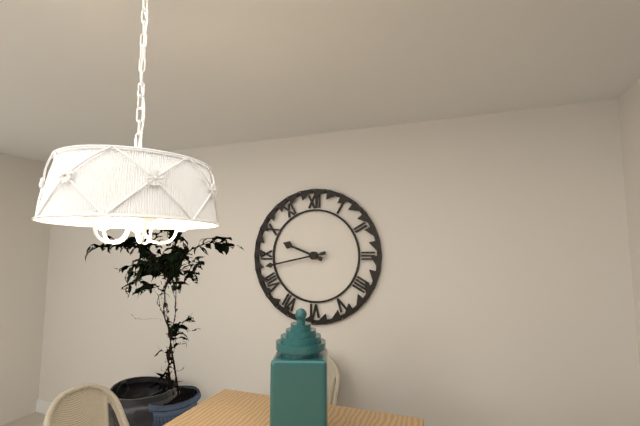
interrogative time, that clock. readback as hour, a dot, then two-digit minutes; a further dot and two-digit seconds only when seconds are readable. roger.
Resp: 9.43
